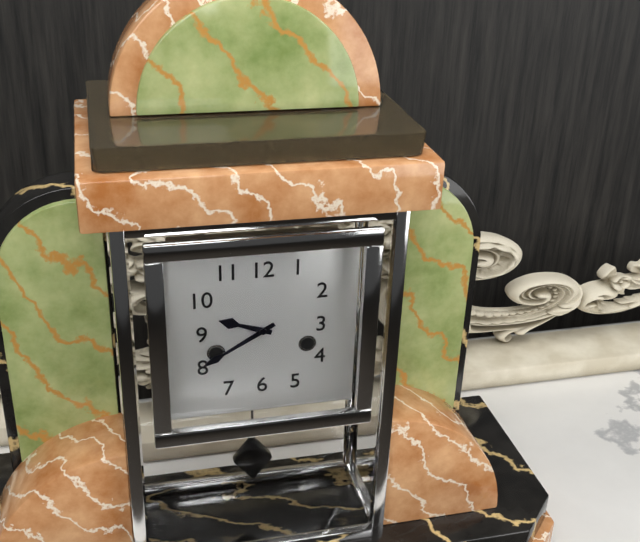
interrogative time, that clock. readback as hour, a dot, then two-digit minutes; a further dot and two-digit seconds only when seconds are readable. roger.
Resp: 9.40
